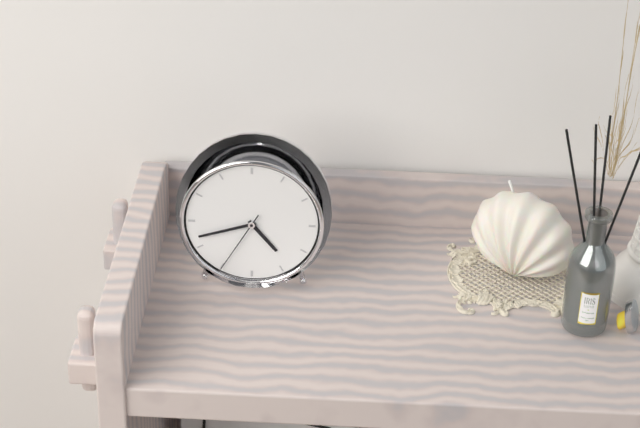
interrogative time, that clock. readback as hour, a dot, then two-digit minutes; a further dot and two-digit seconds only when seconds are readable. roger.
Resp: 4.42.35
